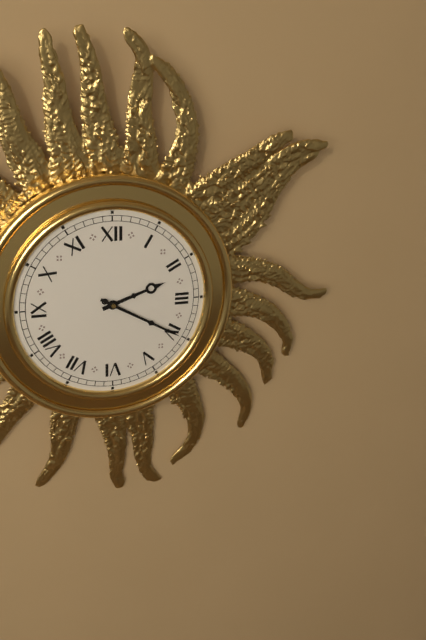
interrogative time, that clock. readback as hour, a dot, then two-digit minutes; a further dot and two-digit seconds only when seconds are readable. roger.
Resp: 2.20
